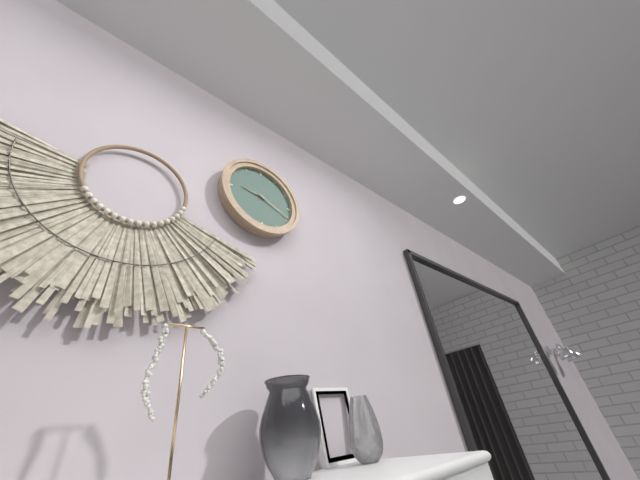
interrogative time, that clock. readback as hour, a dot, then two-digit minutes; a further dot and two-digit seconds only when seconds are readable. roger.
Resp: 9.19
